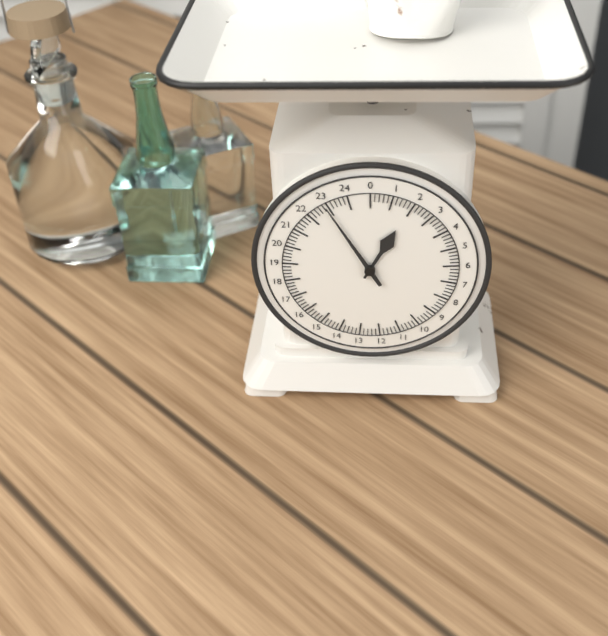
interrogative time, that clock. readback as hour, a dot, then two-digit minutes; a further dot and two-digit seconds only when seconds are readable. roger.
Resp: 12.55
